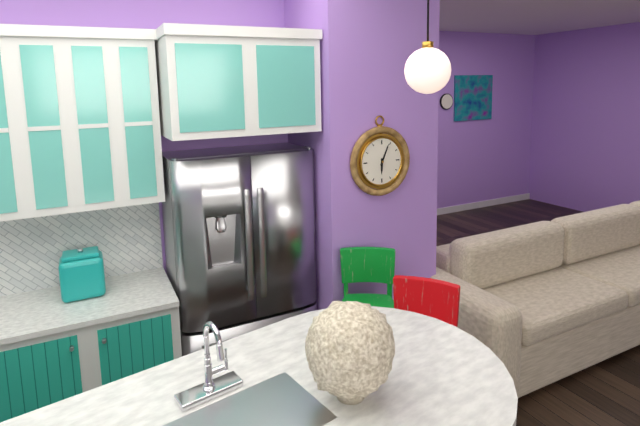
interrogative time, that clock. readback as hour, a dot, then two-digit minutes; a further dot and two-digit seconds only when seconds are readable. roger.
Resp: 6.04
